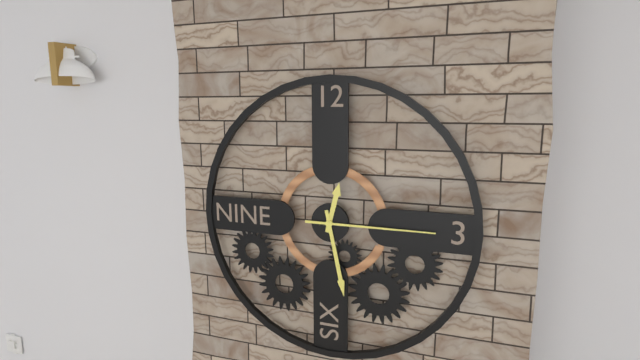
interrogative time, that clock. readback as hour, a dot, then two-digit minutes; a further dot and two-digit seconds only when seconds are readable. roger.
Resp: 12.28.15
